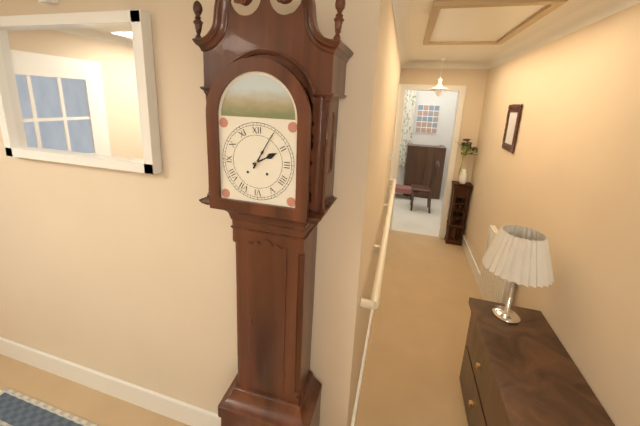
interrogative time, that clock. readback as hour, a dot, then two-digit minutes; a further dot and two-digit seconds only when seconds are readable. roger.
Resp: 2.05
